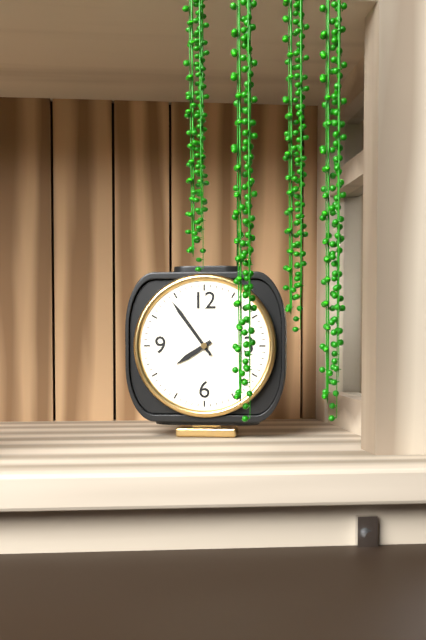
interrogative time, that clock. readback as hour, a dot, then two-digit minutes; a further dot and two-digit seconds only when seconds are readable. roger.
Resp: 7.54
